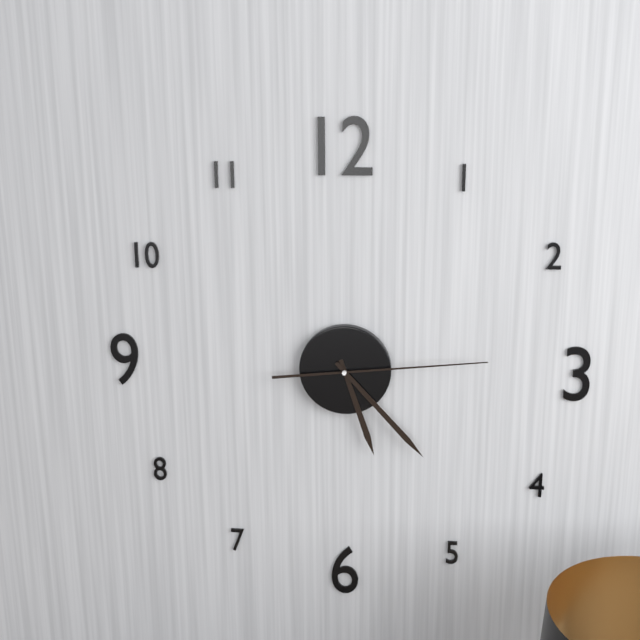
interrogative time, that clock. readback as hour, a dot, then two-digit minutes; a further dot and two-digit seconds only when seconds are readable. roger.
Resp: 5.23.14
